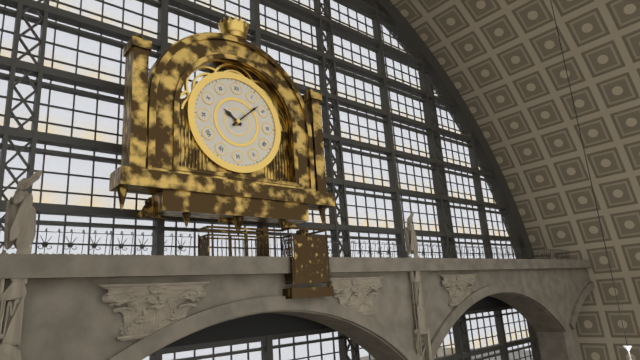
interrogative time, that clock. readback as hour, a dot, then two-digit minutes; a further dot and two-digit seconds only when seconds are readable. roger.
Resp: 10.08
